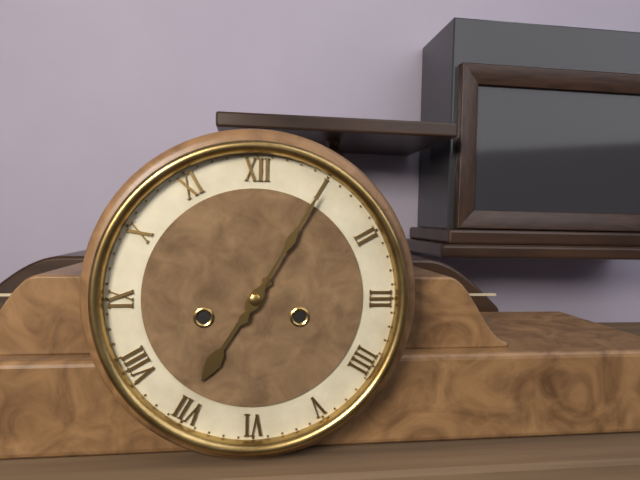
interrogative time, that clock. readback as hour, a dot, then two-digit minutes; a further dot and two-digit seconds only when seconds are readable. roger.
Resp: 7.05
